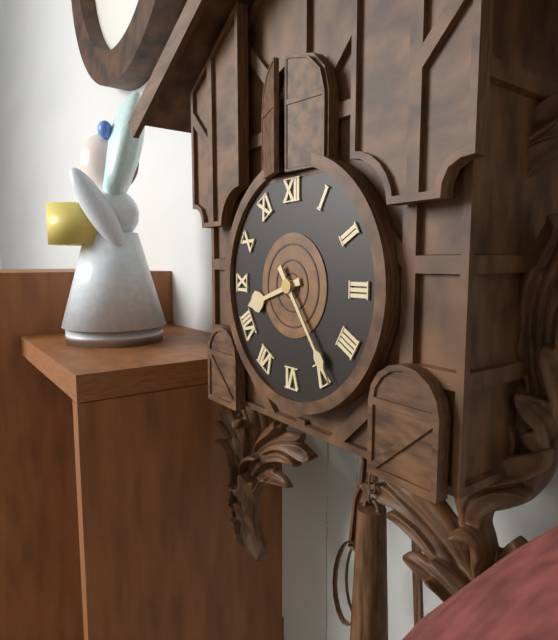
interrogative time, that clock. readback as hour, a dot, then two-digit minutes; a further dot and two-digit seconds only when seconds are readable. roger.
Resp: 8.24
